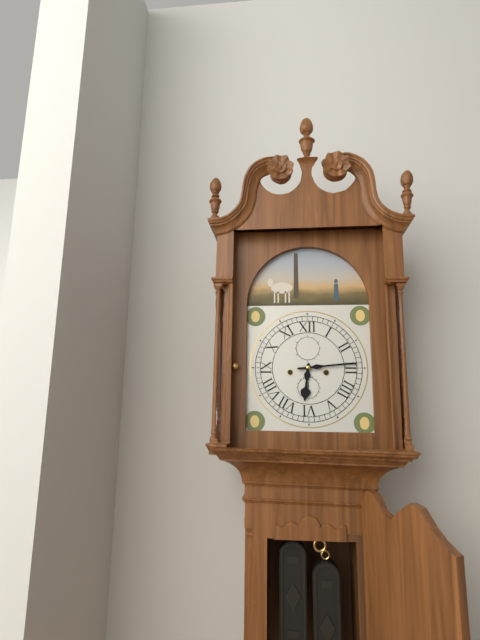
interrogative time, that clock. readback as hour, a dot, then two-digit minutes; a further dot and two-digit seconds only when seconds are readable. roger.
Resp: 6.14
